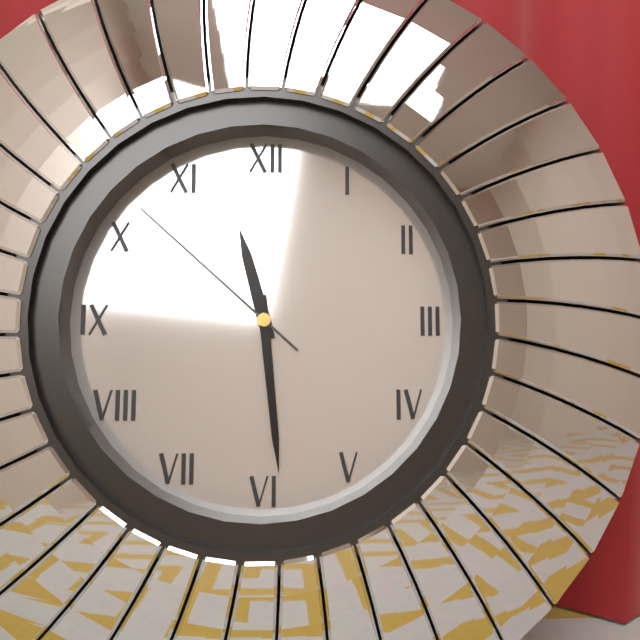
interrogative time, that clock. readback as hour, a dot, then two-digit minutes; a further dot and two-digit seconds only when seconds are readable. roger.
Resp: 11.29.52
